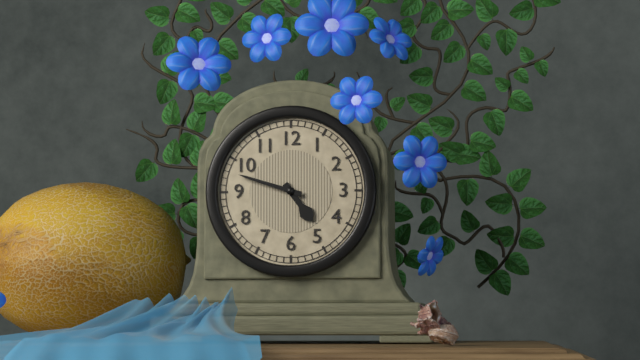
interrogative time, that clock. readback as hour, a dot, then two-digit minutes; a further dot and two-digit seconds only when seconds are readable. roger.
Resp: 4.48
